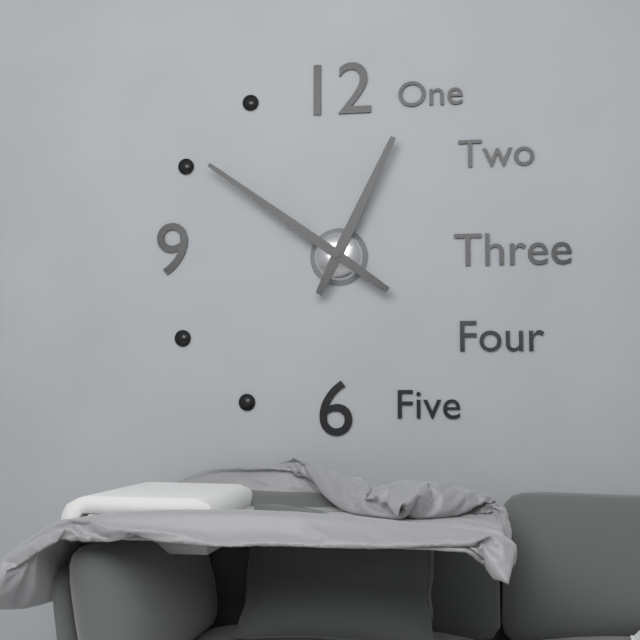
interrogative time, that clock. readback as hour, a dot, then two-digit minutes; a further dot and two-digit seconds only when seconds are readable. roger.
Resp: 12.51
